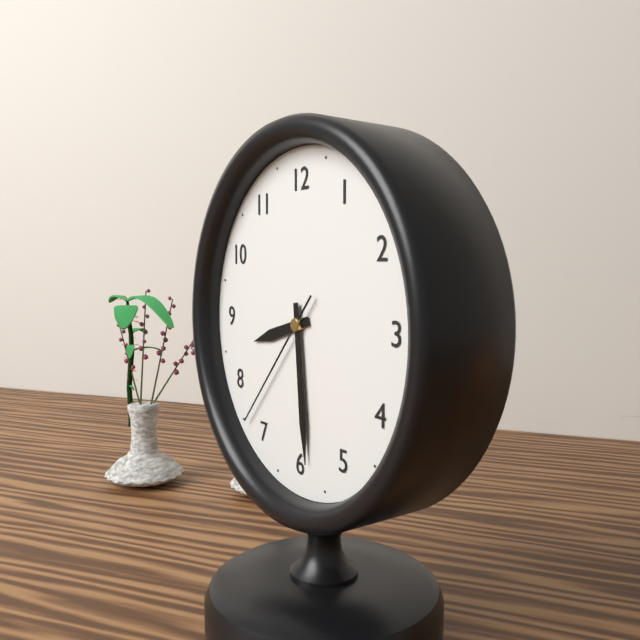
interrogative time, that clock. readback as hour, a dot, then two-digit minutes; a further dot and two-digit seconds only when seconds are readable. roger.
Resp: 8.29.37
